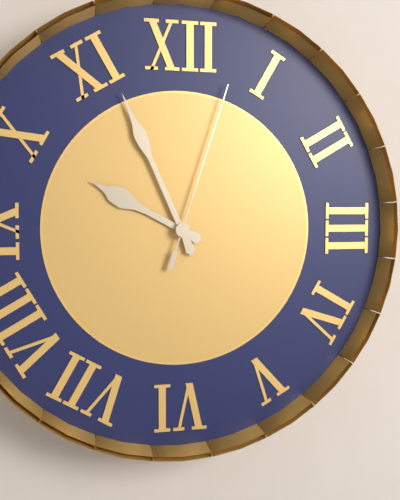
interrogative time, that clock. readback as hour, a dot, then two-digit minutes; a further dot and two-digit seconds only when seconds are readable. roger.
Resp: 9.56.03
